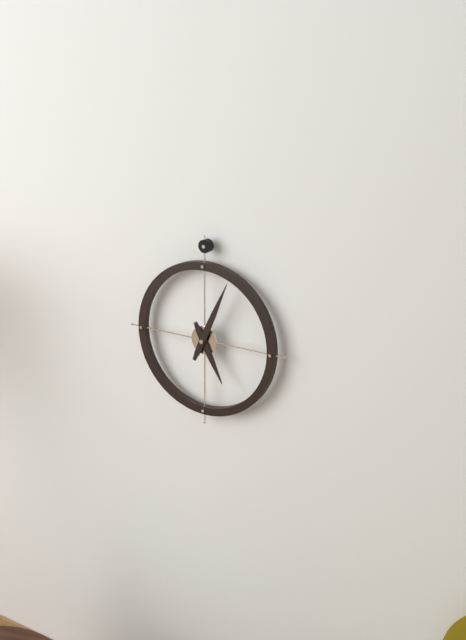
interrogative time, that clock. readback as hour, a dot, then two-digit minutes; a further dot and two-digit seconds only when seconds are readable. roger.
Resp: 5.04
